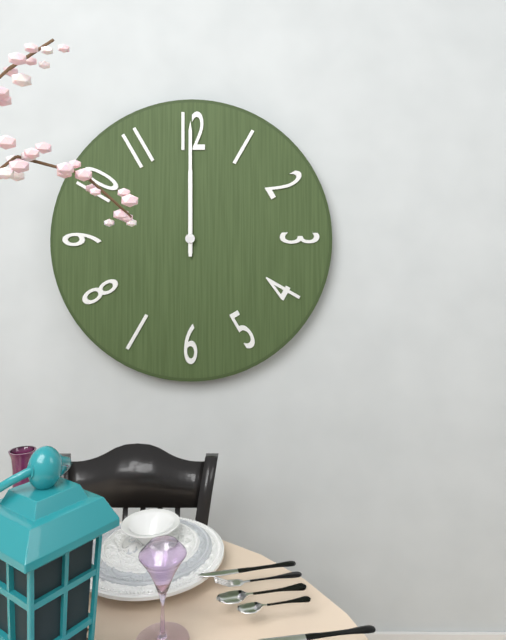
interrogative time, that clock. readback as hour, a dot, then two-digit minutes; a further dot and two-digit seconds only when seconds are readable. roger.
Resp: 12.00
